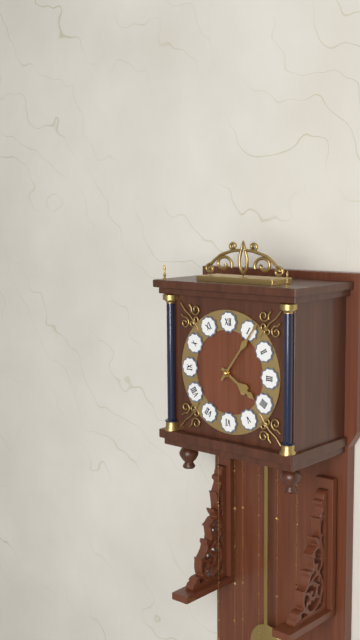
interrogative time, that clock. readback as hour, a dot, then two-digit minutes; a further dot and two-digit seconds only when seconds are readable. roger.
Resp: 4.06
